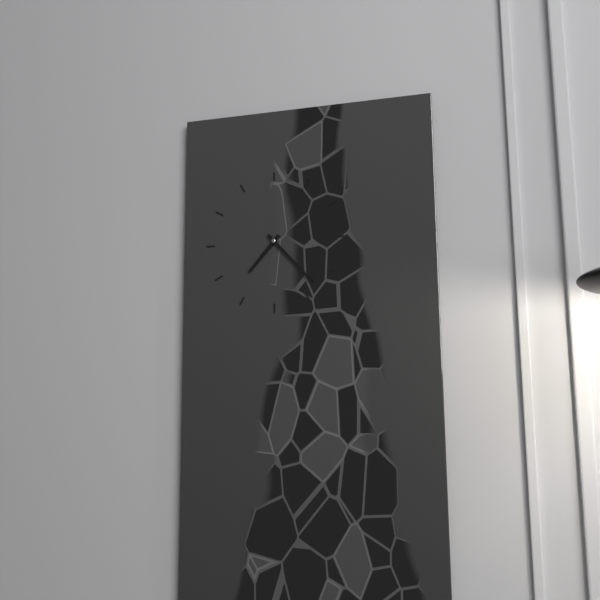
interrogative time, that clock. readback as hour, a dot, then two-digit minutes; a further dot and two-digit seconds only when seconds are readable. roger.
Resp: 7.23
